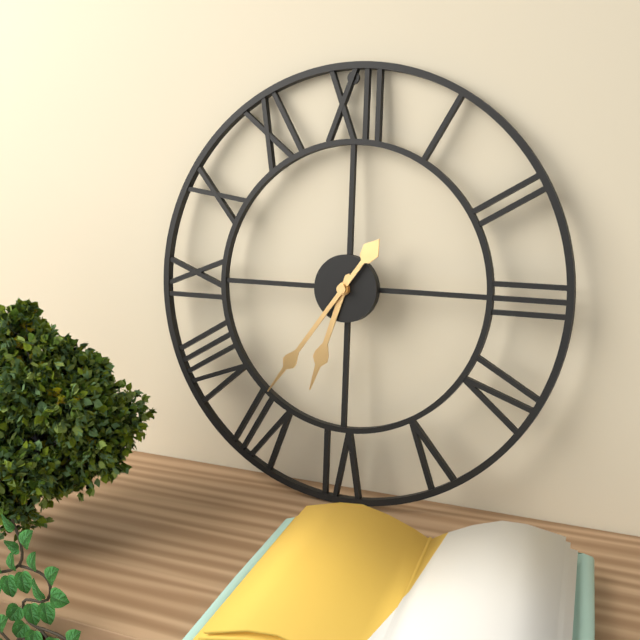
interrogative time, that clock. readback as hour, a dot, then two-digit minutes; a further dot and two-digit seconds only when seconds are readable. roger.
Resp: 6.36
